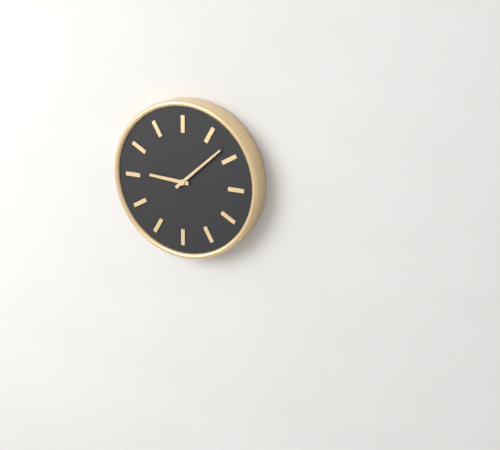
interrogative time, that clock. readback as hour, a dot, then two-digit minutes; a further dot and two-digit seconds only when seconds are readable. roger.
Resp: 9.08
